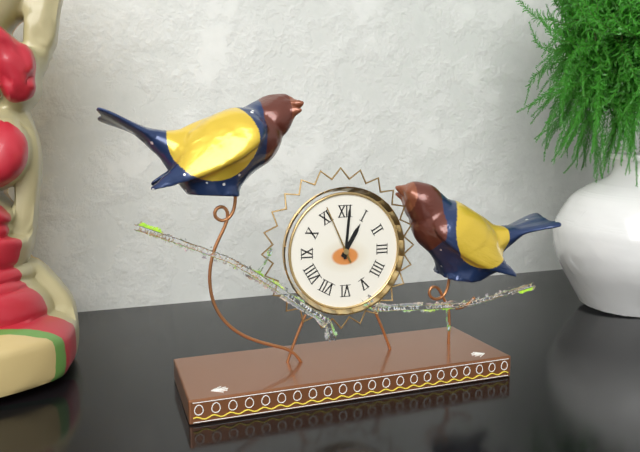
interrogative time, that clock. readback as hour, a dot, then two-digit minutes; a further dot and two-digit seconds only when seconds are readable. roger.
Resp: 1.01.56
